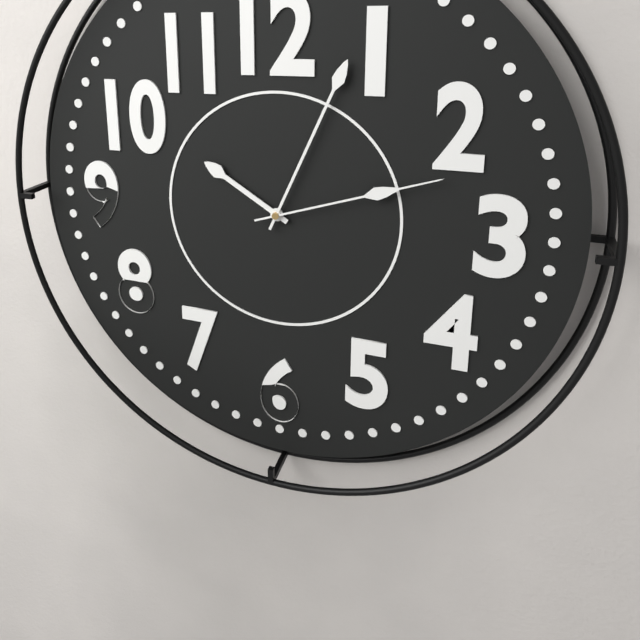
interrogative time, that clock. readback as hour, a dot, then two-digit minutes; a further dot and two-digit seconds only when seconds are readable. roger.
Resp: 10.04.12
